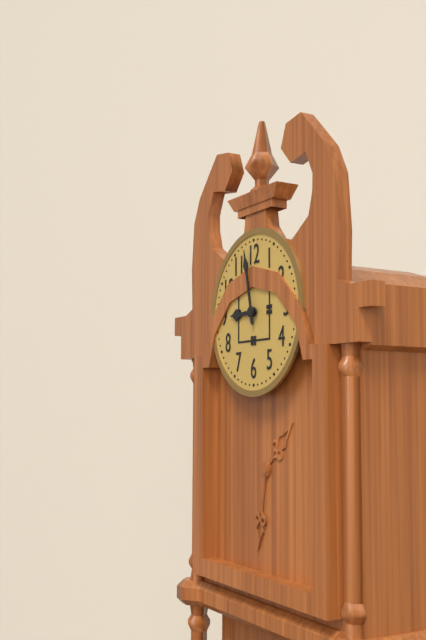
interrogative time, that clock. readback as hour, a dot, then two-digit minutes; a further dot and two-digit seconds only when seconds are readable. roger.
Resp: 8.58
